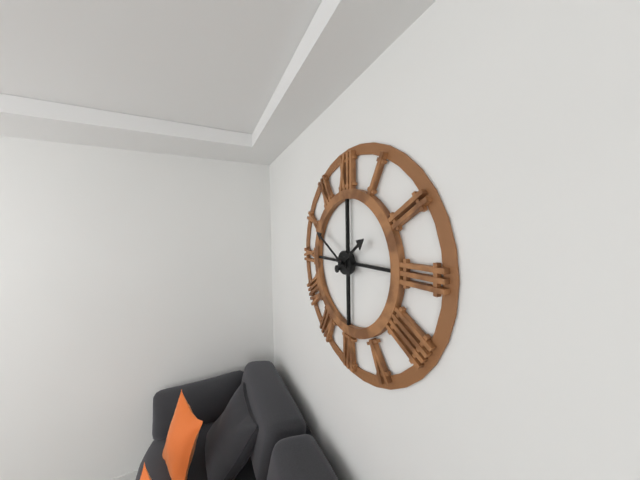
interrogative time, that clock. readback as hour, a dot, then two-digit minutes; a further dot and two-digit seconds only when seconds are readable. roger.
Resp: 1.50
